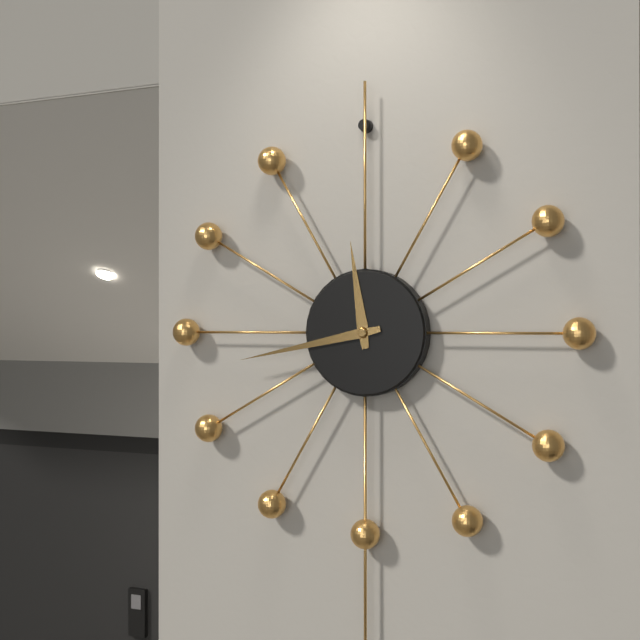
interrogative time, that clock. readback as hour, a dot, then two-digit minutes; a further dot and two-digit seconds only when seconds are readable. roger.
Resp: 11.43
